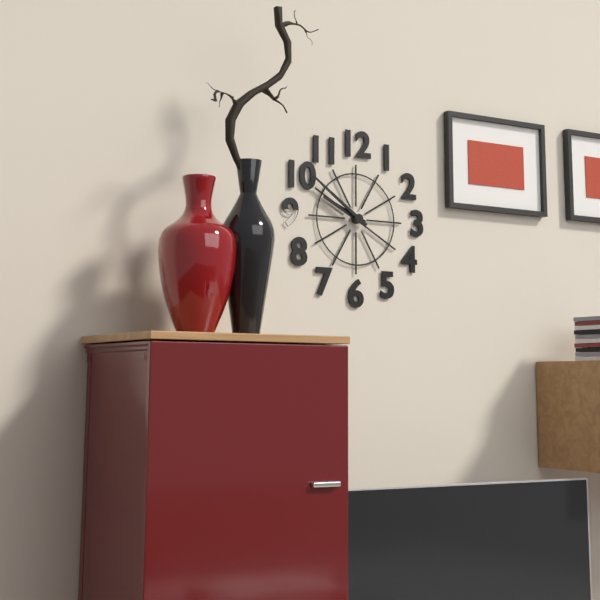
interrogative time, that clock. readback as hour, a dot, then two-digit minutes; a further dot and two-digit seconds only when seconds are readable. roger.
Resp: 9.51
